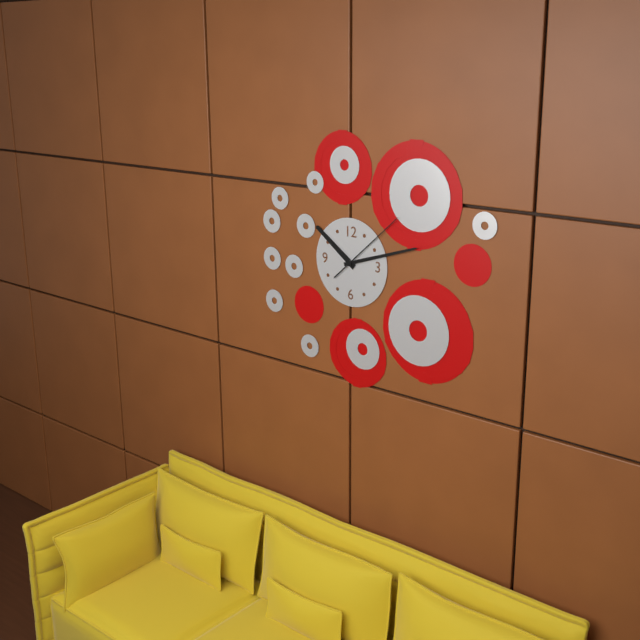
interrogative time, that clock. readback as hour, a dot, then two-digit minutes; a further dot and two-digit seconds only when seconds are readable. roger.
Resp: 10.12.08
